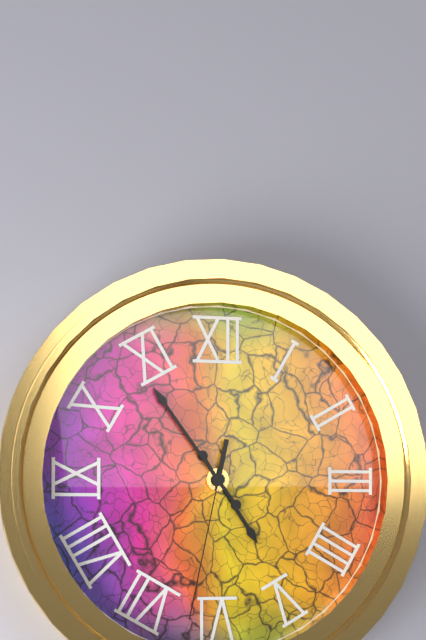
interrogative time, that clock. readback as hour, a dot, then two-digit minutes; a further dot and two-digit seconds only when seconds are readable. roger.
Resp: 4.54.32
